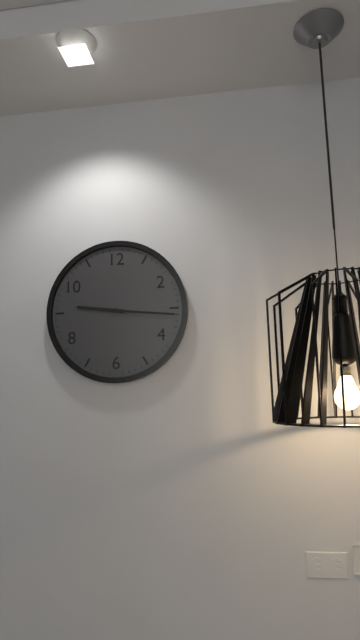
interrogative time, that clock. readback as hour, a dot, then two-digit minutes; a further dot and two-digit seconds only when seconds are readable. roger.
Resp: 9.16
